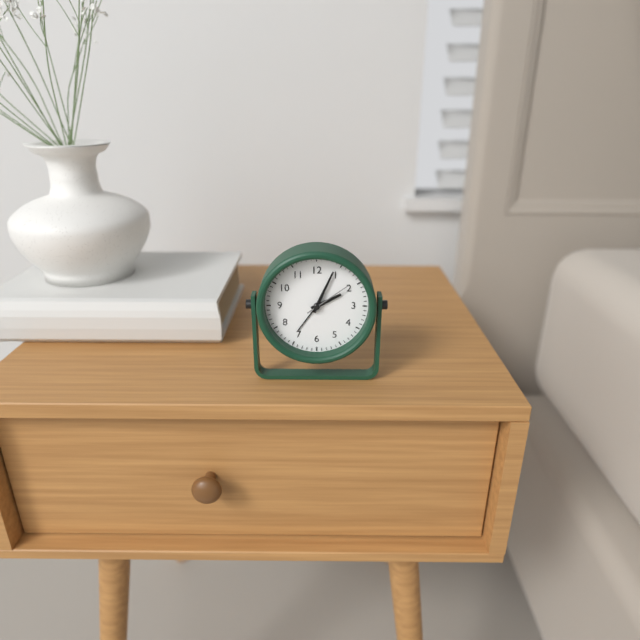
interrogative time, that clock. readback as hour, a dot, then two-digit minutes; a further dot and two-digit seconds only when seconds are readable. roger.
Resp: 2.04
